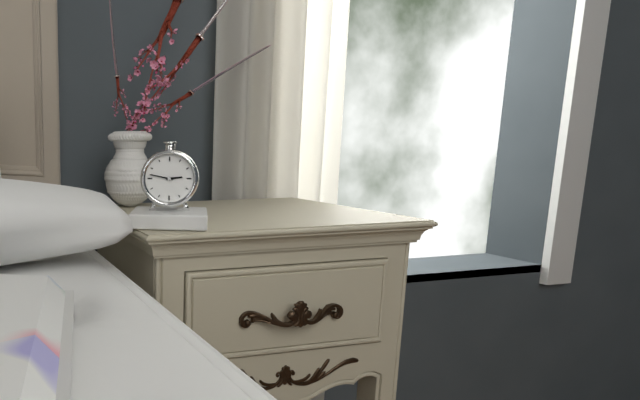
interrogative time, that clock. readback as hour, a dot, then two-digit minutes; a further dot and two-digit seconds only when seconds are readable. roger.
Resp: 2.47
